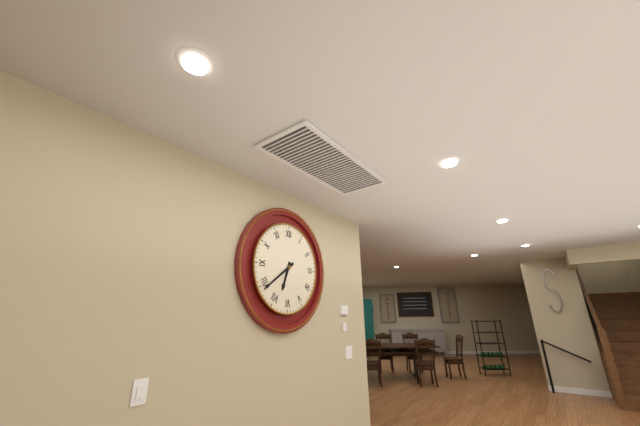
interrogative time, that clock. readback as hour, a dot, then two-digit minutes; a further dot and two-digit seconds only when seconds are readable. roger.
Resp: 6.39
